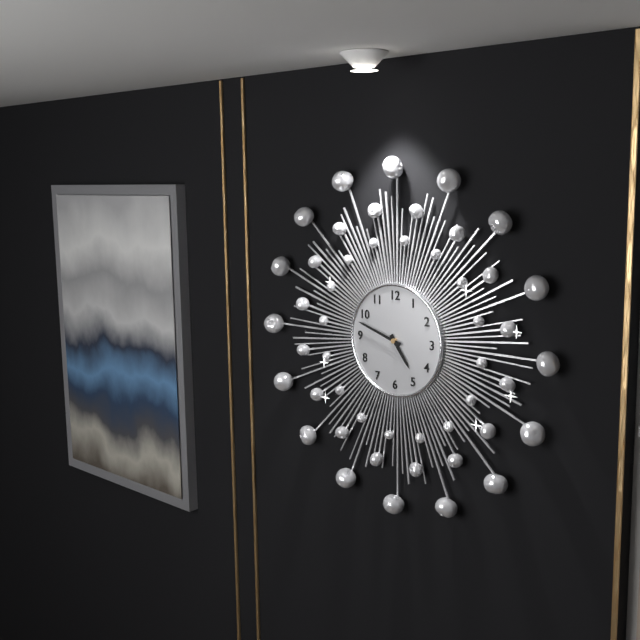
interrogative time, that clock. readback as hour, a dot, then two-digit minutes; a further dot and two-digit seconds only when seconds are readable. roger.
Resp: 4.48
